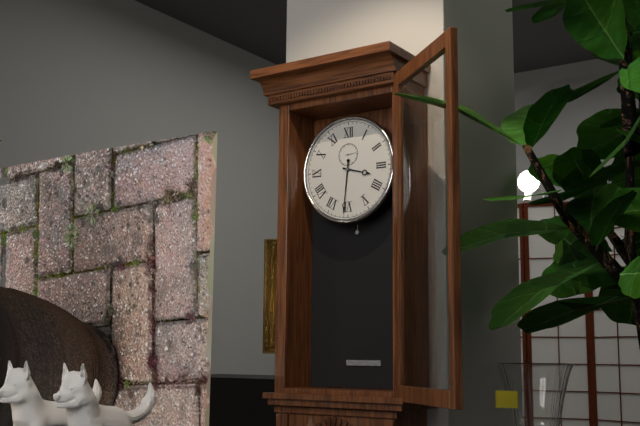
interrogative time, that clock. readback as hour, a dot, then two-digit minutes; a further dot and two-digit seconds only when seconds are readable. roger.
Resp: 3.31
